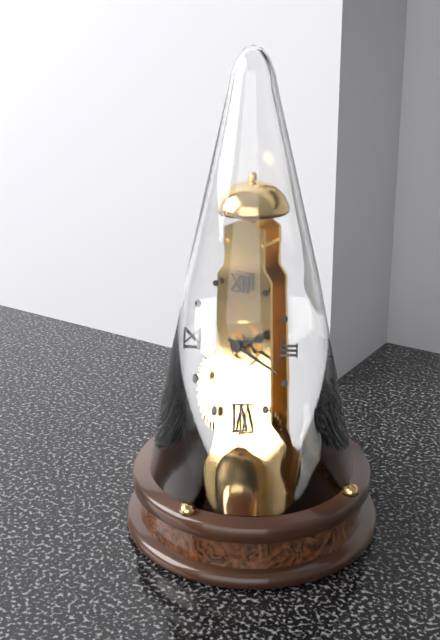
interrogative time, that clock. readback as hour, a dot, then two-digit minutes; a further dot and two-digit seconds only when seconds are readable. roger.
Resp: 2.19
